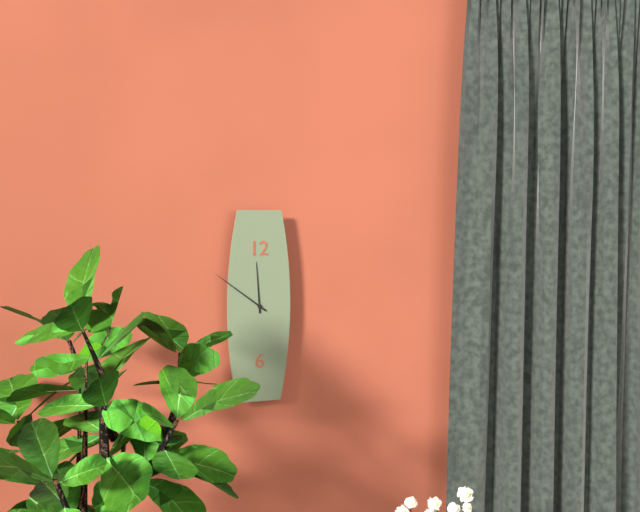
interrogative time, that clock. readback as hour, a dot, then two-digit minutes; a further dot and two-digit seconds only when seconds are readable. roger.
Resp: 11.51
